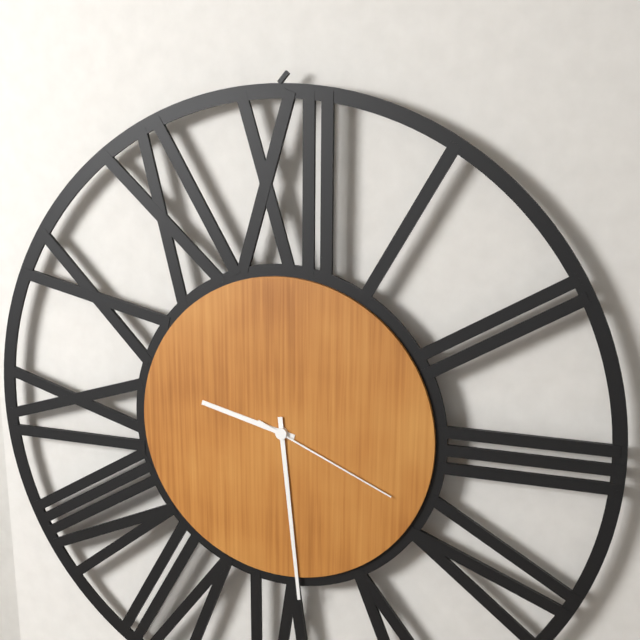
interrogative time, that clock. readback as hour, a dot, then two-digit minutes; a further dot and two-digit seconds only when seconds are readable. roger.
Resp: 9.29.19
